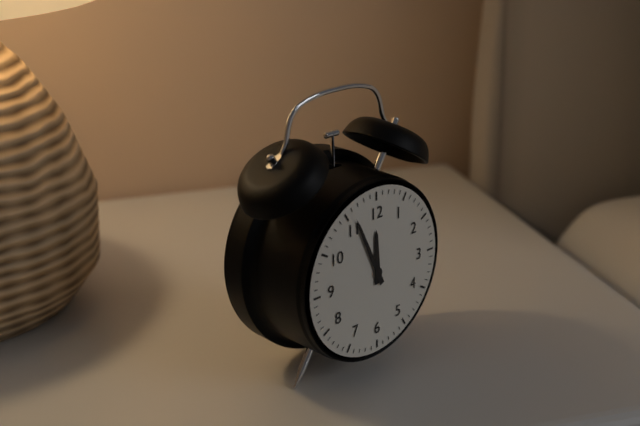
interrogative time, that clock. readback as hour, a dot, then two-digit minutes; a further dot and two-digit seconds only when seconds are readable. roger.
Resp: 11.56
